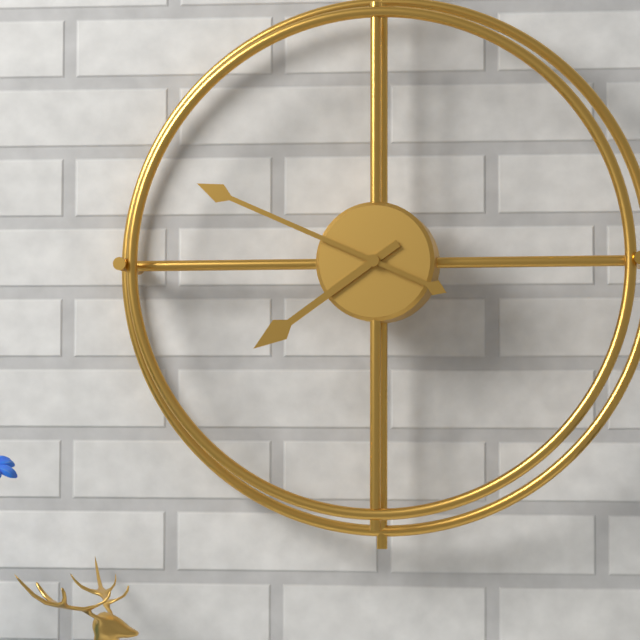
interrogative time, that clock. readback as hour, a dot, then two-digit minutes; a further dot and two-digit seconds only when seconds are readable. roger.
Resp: 7.49
